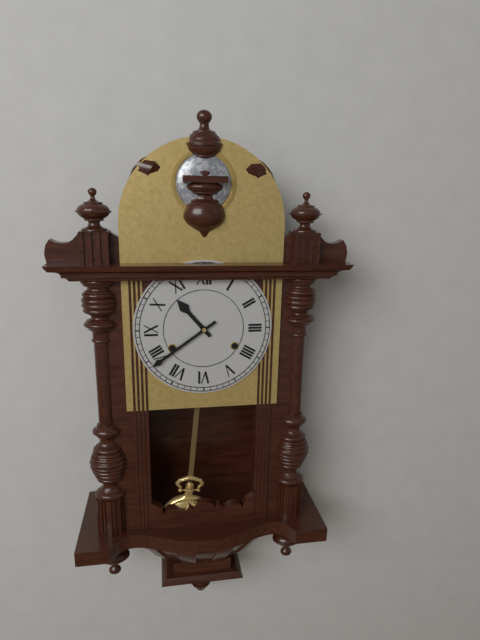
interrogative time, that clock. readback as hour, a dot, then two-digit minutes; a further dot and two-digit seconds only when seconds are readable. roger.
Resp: 10.39
